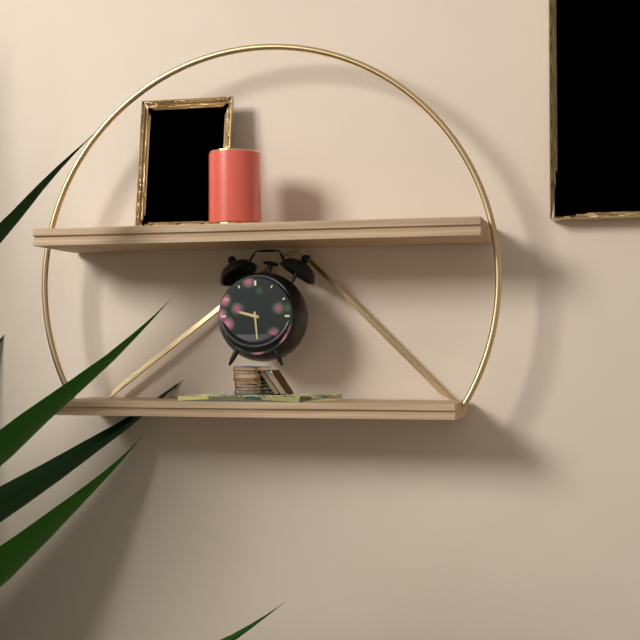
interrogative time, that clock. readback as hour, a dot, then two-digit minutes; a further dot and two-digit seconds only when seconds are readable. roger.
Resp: 9.29
